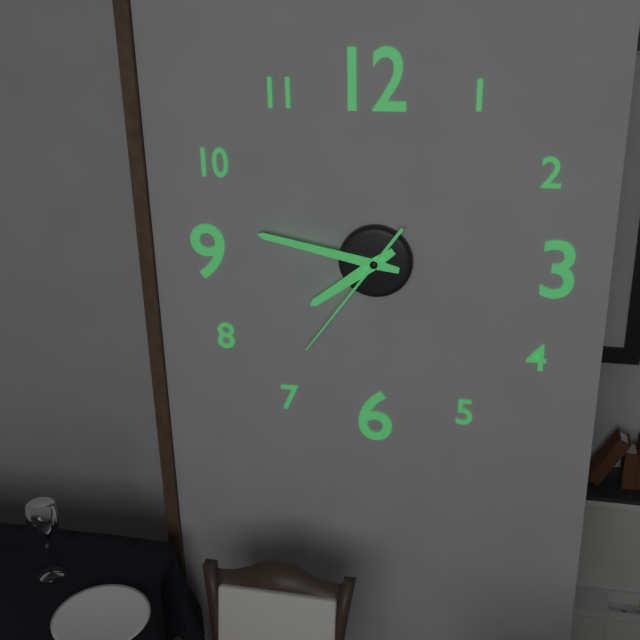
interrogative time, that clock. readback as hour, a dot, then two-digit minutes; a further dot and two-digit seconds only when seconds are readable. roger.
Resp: 7.47.36
